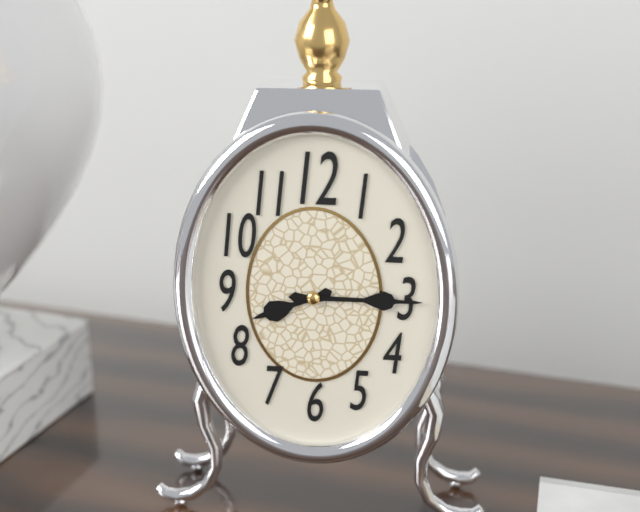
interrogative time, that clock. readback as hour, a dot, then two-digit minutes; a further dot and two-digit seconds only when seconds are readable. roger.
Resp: 8.15
